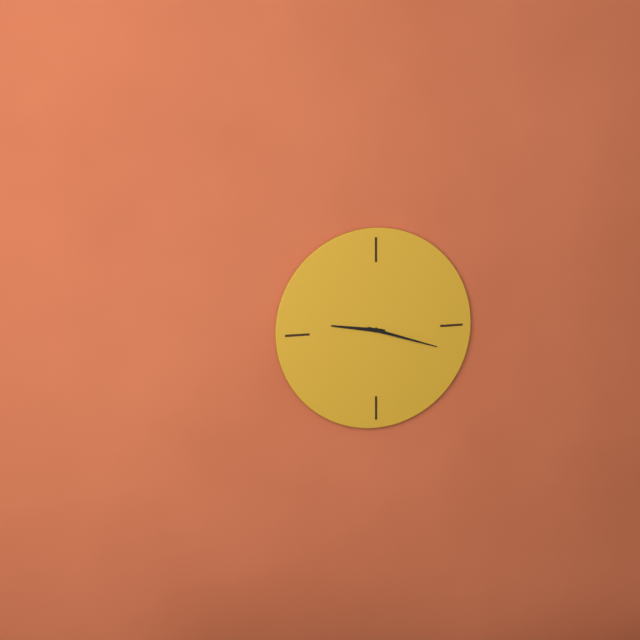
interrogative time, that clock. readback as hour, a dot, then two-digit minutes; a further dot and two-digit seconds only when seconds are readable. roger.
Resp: 9.18
